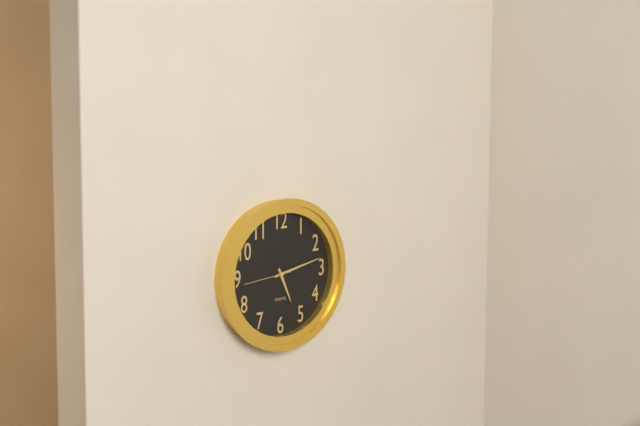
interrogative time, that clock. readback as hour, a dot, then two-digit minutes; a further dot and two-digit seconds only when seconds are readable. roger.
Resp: 5.13
